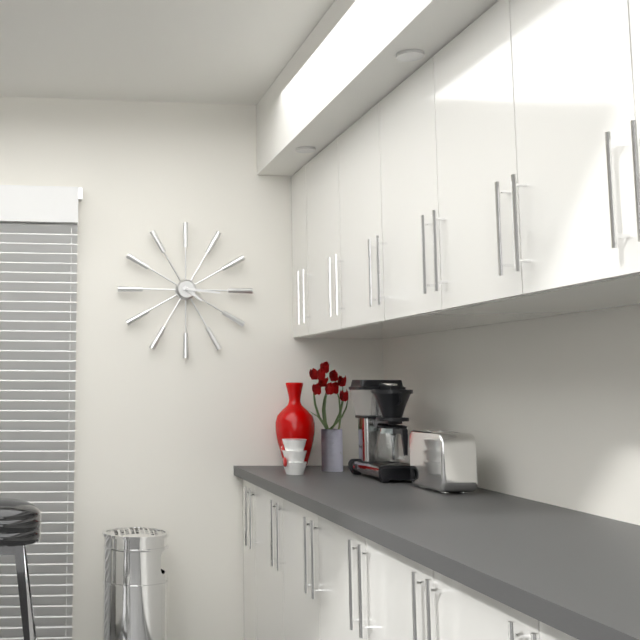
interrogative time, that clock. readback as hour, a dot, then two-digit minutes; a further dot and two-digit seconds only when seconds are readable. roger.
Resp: 4.16
